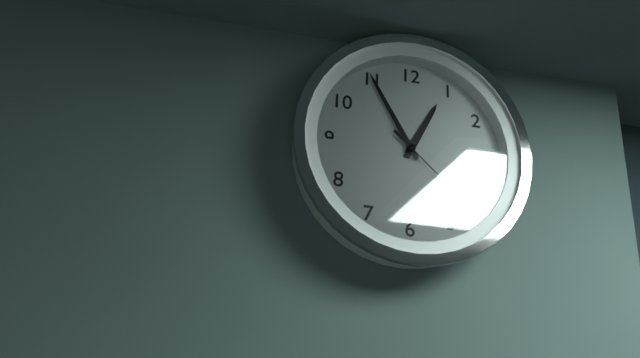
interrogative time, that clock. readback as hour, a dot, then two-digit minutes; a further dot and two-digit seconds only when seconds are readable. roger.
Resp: 12.55.22
